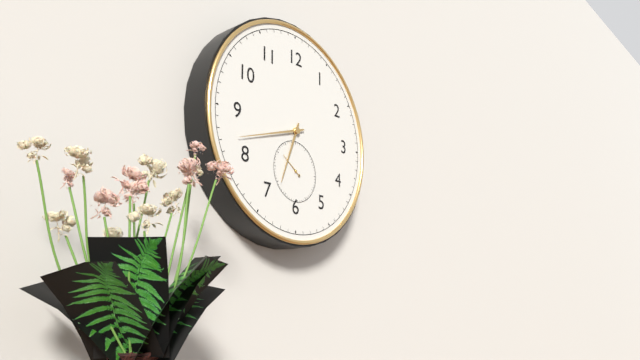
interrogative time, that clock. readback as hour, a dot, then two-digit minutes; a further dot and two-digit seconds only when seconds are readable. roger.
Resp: 6.42
